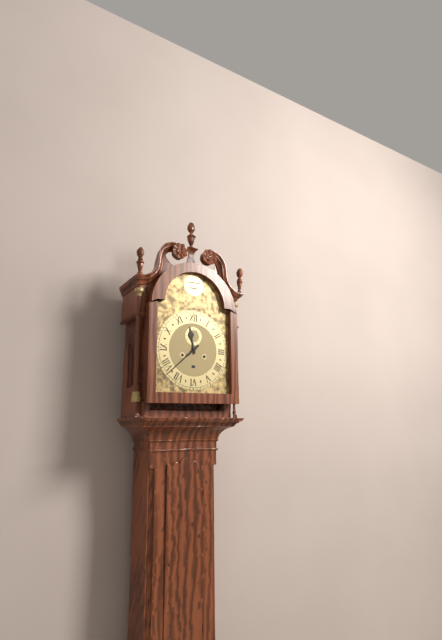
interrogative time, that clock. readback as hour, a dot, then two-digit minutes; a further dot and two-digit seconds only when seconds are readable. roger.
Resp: 11.38
